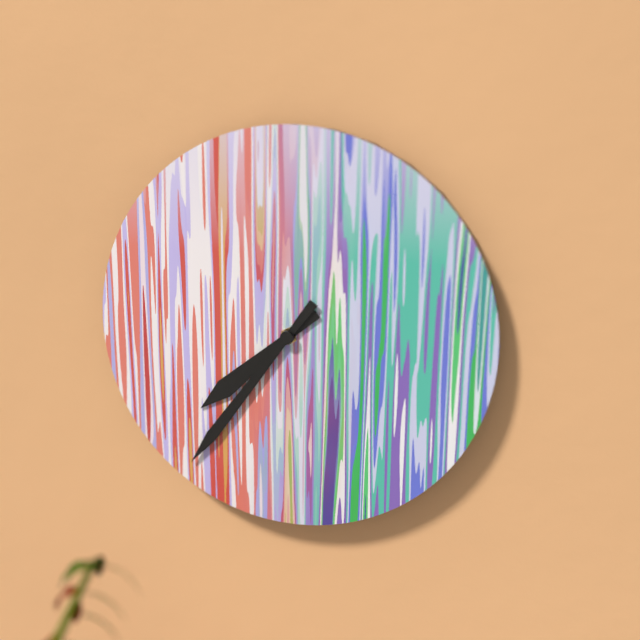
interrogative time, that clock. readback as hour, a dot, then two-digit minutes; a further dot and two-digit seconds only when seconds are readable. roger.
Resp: 7.36
